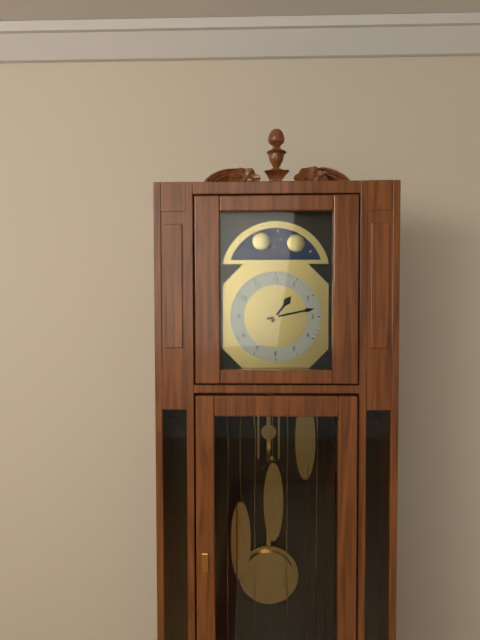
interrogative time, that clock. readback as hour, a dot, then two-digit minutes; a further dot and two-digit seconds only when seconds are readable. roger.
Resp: 1.13
